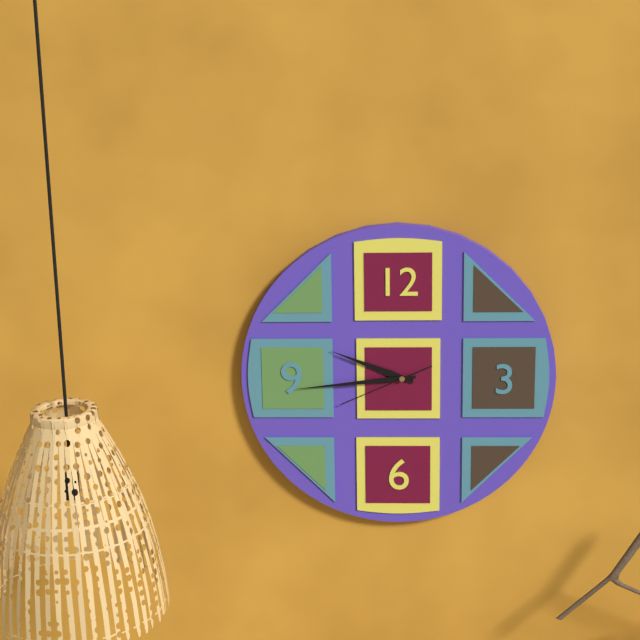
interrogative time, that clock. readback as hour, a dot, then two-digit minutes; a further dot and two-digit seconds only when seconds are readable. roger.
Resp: 9.44.41
